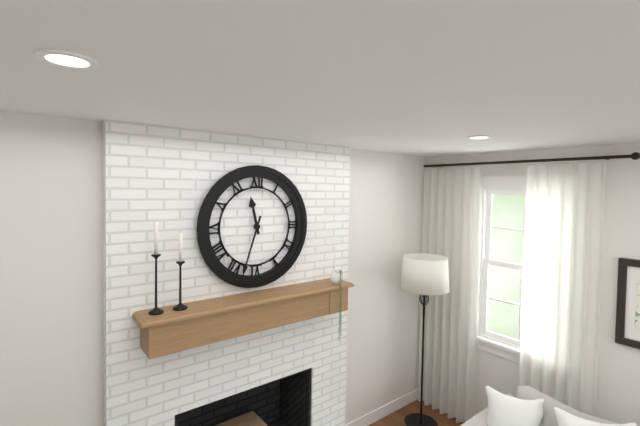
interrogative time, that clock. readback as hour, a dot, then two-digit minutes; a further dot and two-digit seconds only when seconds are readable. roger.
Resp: 11.33
